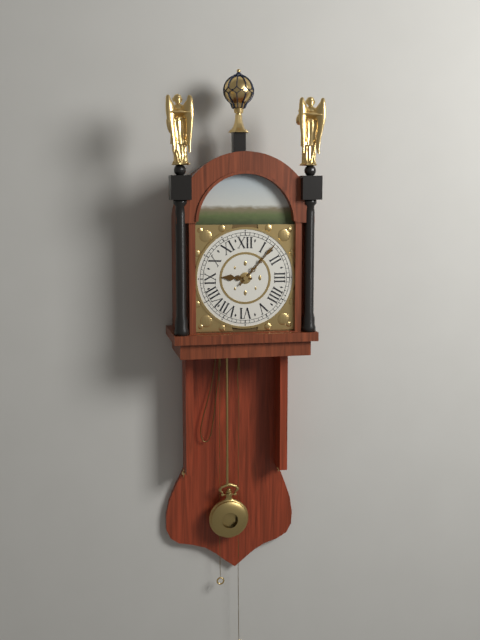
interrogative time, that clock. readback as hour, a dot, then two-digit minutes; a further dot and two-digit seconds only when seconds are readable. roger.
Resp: 9.07
